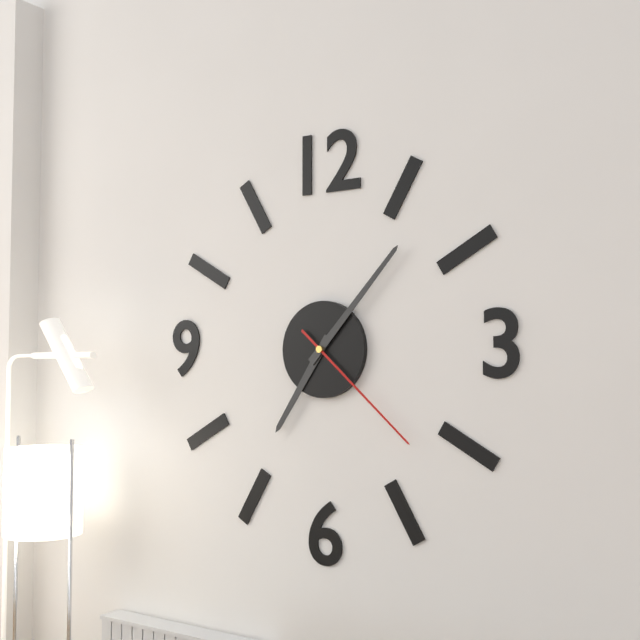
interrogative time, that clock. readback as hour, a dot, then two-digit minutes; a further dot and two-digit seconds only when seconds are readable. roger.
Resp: 7.07.22
